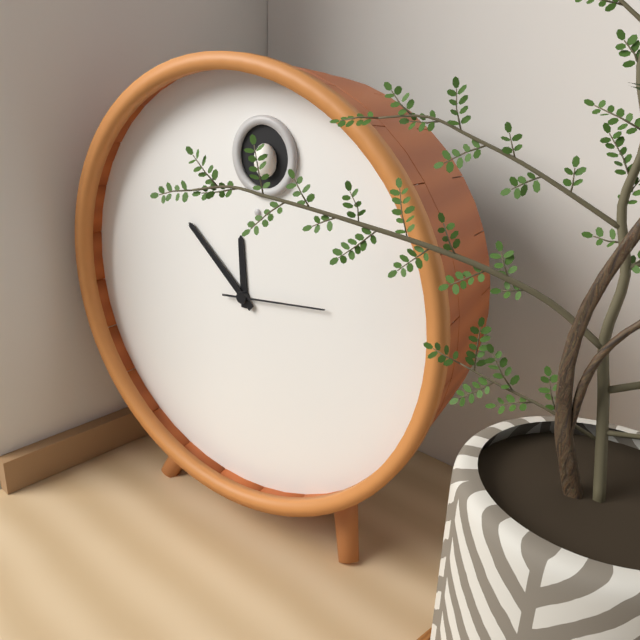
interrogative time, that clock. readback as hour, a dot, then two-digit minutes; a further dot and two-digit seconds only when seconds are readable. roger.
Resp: 11.52.14
